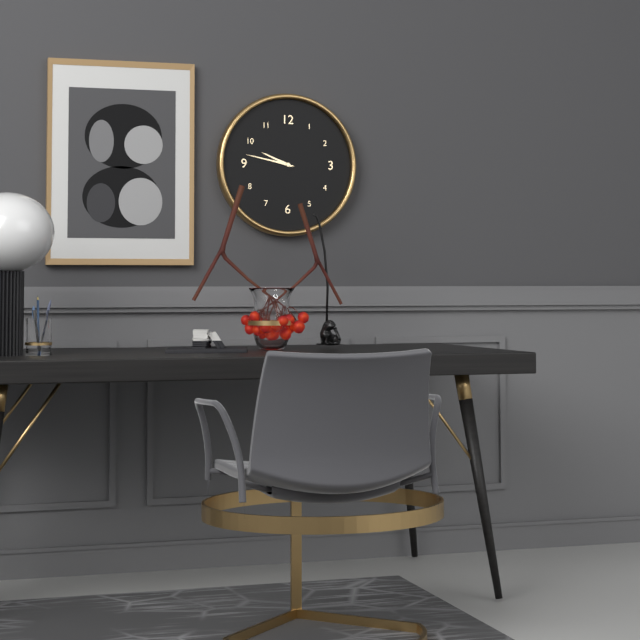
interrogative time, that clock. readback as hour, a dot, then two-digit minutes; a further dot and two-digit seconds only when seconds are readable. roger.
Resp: 9.47
